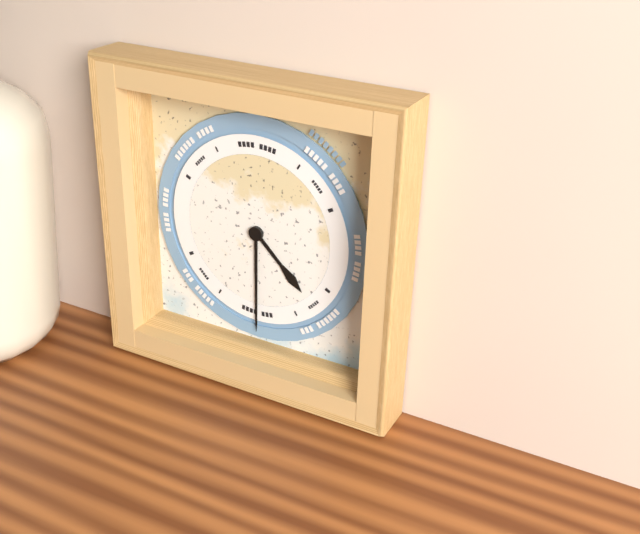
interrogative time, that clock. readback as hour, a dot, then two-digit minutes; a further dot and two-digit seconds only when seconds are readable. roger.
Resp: 4.30
